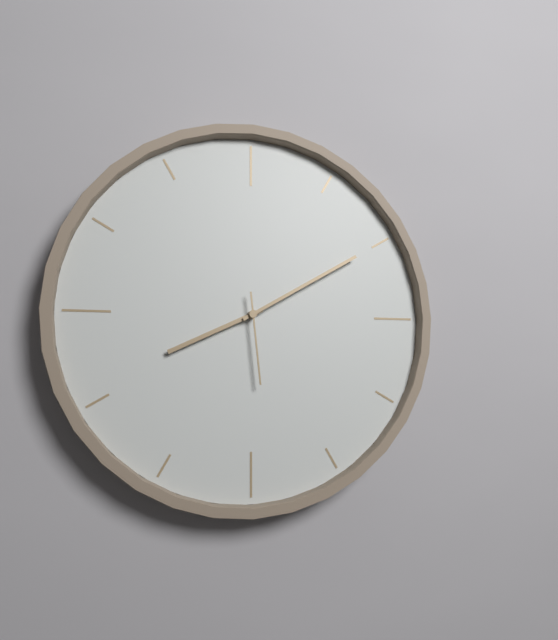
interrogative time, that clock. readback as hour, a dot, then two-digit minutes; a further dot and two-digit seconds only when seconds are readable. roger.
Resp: 8.10.29
